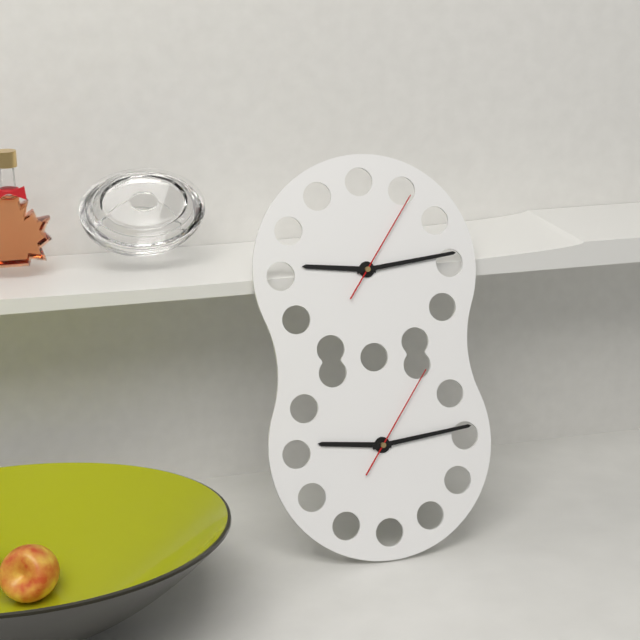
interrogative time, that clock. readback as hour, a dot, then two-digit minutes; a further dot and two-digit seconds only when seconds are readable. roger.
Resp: 9.14.06
